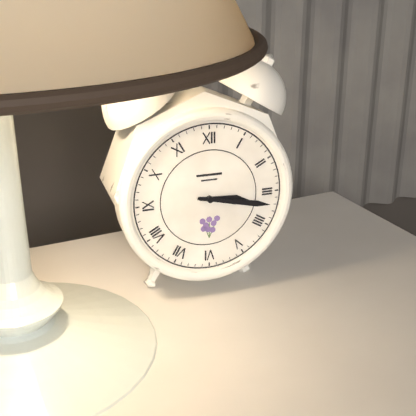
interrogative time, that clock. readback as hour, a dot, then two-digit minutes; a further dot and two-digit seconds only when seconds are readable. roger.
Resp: 3.17
